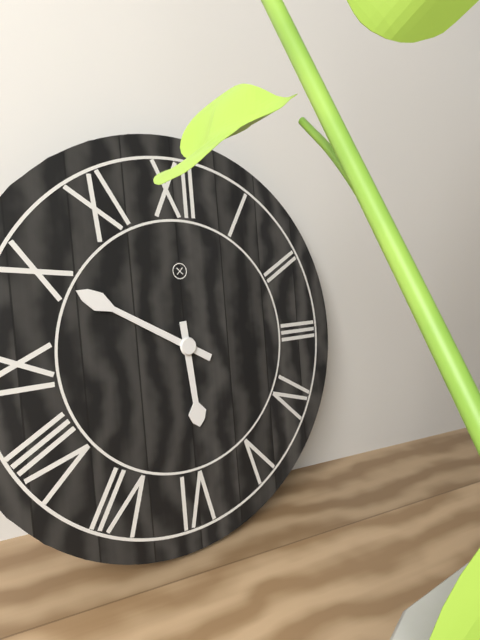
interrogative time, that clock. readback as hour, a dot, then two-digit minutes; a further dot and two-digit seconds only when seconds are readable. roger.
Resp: 5.50
